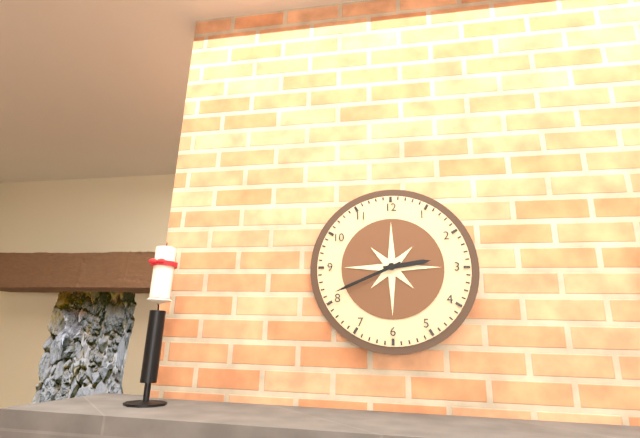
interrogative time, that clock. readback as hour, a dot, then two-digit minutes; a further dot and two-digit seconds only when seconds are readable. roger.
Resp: 2.41
